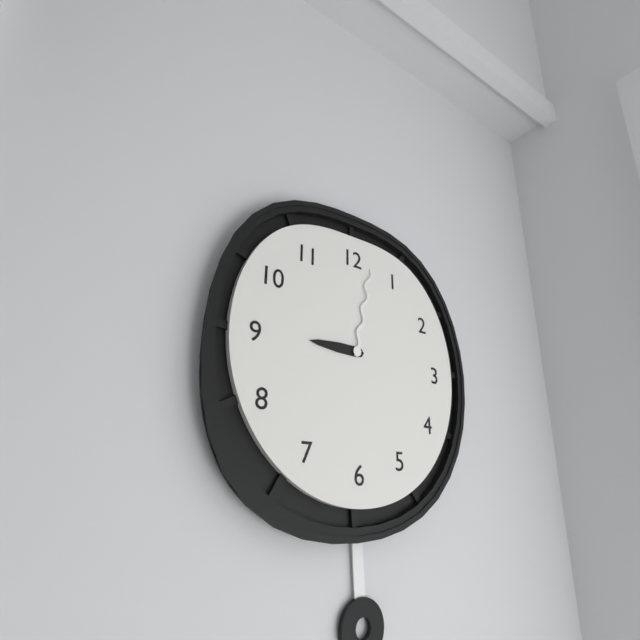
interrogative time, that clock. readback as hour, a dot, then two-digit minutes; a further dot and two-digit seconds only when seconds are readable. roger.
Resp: 9.02
